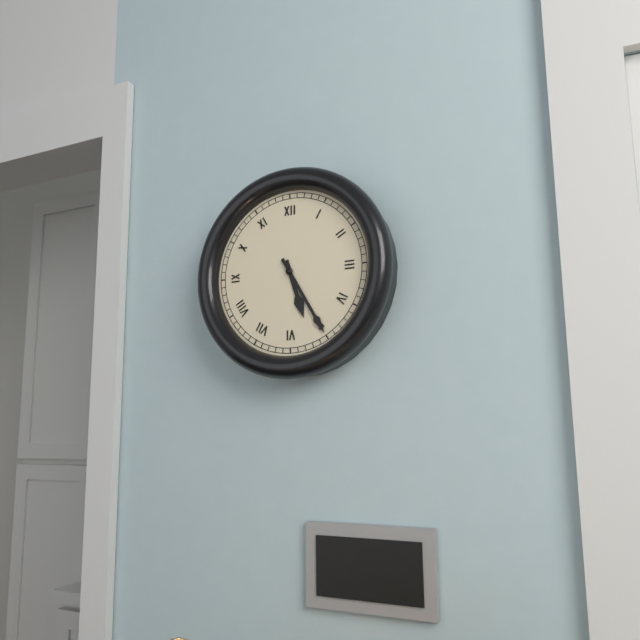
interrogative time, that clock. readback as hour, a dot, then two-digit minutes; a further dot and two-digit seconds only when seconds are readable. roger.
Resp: 5.25
